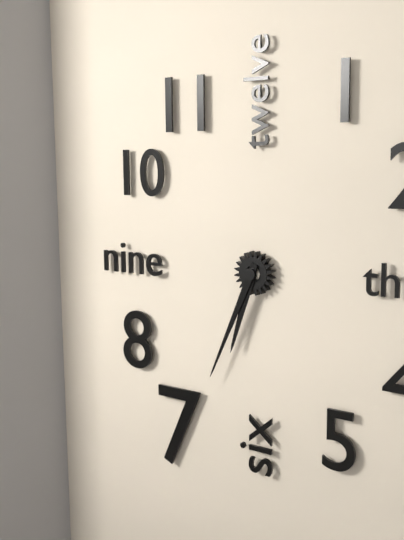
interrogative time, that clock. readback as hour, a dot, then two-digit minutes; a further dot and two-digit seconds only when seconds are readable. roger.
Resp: 6.34
